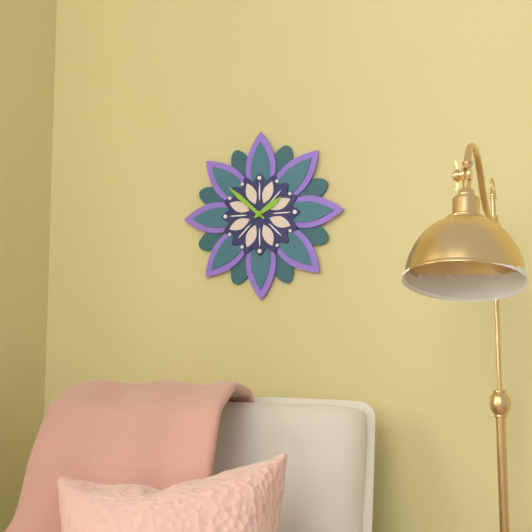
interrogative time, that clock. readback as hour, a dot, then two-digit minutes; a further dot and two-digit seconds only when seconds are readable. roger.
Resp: 1.52
